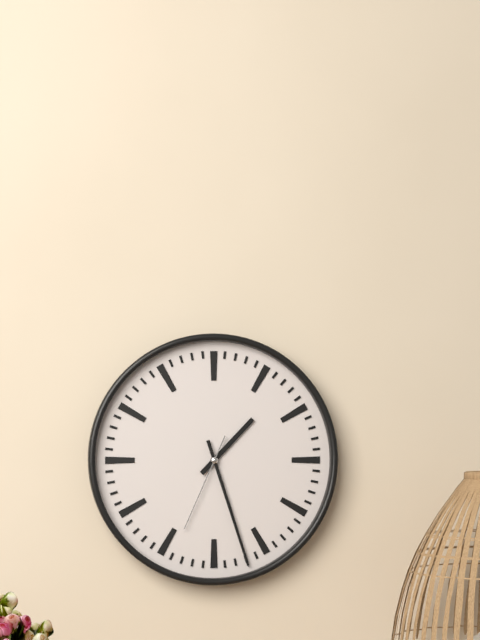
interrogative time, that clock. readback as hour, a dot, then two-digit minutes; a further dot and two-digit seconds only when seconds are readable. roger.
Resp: 1.27.34
